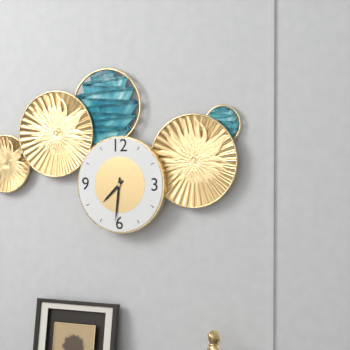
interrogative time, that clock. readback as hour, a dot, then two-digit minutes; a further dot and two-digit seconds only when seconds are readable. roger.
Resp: 7.31
